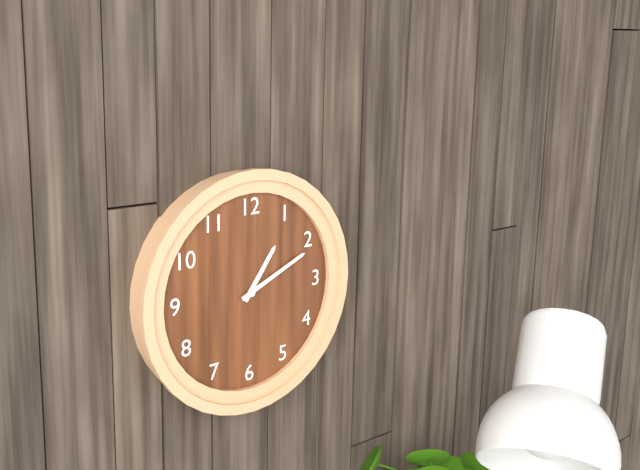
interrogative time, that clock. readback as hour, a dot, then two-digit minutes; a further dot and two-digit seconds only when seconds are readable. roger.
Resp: 1.11
